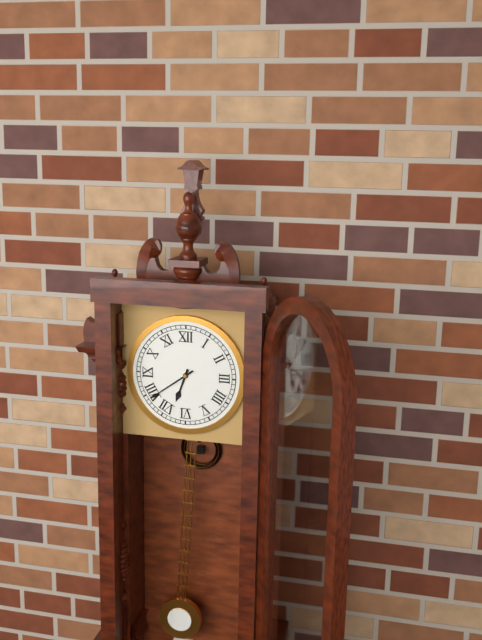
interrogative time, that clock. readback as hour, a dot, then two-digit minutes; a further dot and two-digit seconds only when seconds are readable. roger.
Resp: 6.39
